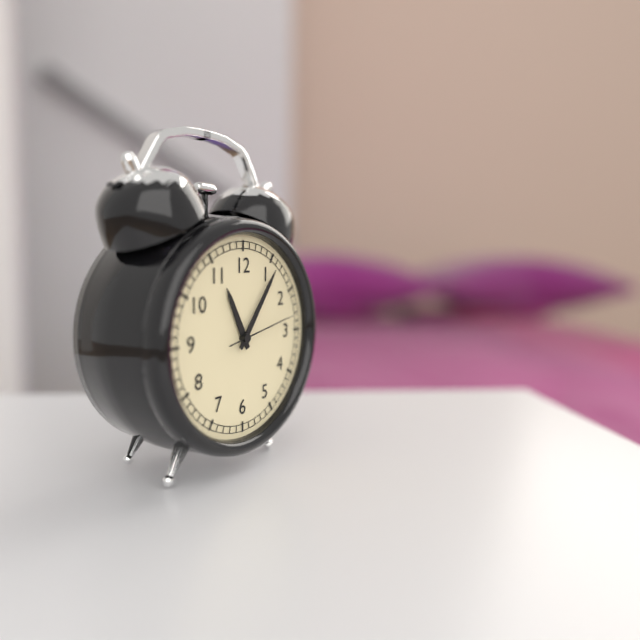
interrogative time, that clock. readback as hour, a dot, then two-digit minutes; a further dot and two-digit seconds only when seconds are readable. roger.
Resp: 11.06.13
